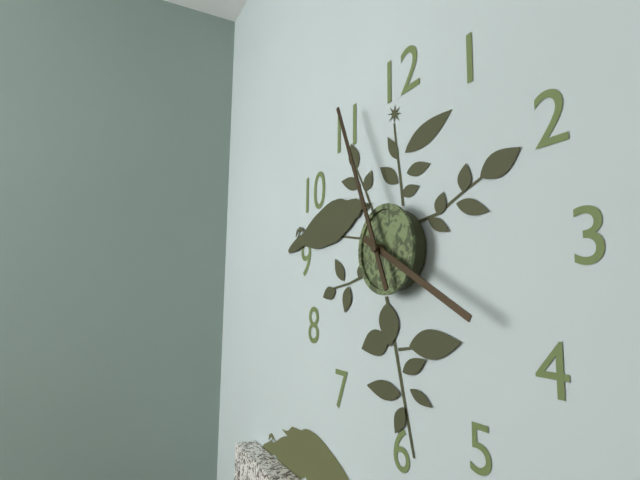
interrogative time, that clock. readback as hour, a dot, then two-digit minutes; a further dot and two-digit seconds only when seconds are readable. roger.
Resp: 3.56
